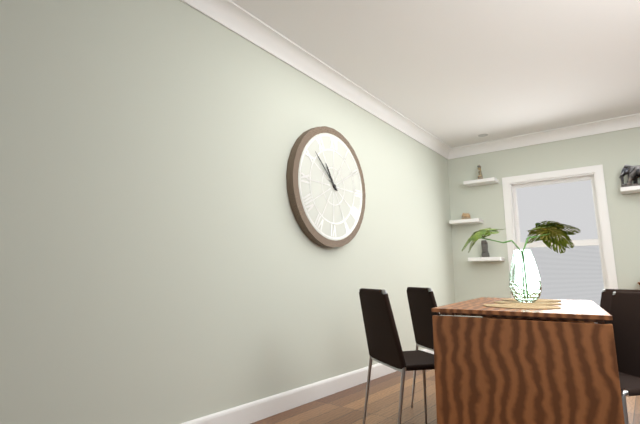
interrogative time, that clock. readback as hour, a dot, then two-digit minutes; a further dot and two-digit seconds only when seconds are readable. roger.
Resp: 10.52
